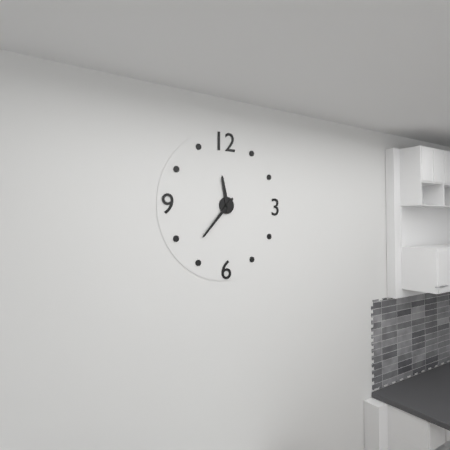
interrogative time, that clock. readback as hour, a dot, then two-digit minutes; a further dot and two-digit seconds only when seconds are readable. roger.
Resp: 11.37
